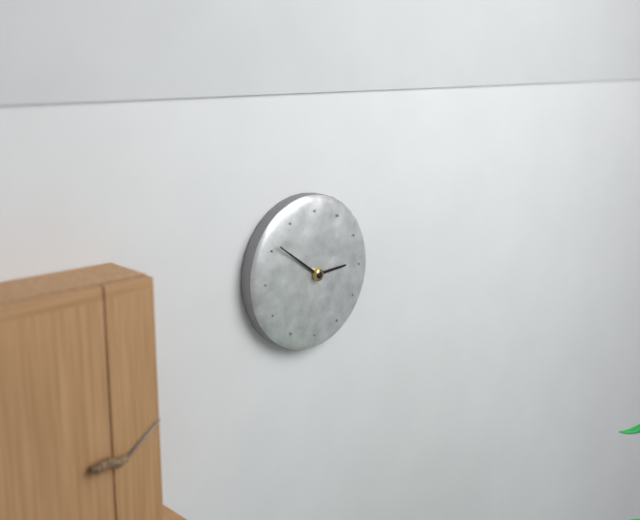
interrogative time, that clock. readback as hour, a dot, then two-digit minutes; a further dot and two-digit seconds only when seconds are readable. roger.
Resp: 2.51
